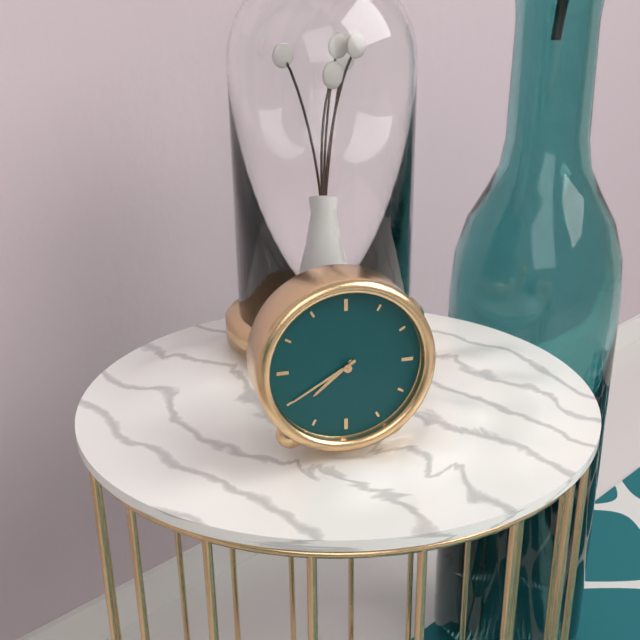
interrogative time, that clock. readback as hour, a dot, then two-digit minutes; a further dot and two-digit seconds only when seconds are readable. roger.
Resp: 7.40
